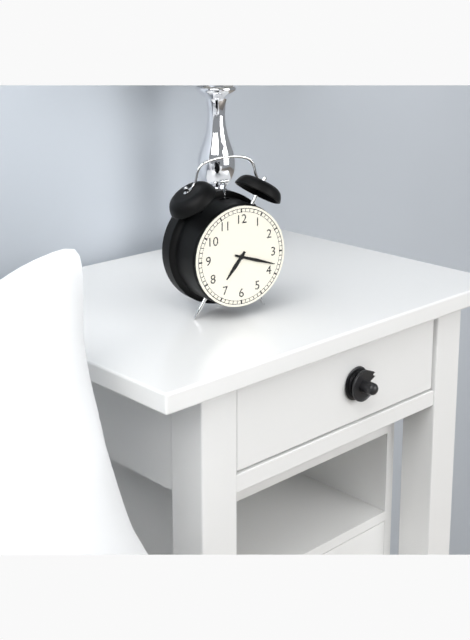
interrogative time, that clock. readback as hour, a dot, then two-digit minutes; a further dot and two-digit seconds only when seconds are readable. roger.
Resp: 7.18
